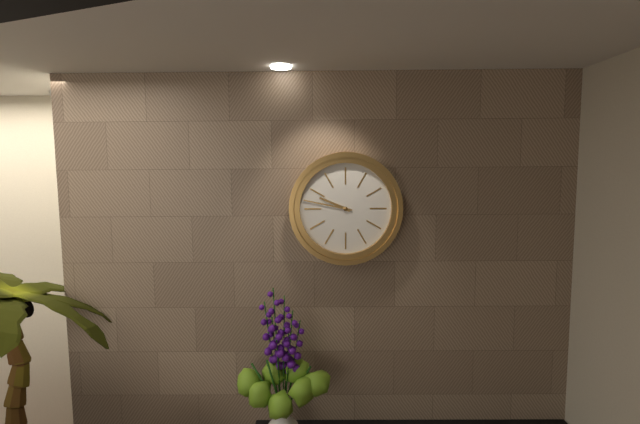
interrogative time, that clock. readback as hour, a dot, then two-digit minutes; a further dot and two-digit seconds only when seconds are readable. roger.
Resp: 9.47
